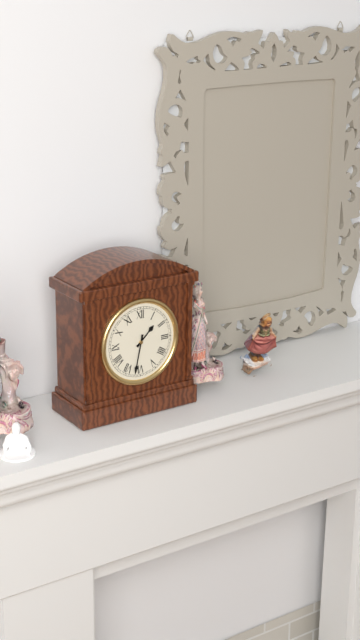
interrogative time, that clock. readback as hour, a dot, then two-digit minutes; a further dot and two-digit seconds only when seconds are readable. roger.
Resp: 1.32
